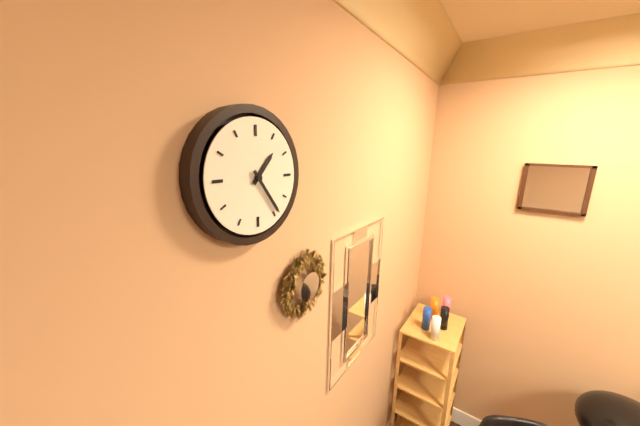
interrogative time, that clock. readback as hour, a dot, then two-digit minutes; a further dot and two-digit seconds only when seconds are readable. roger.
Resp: 1.24
